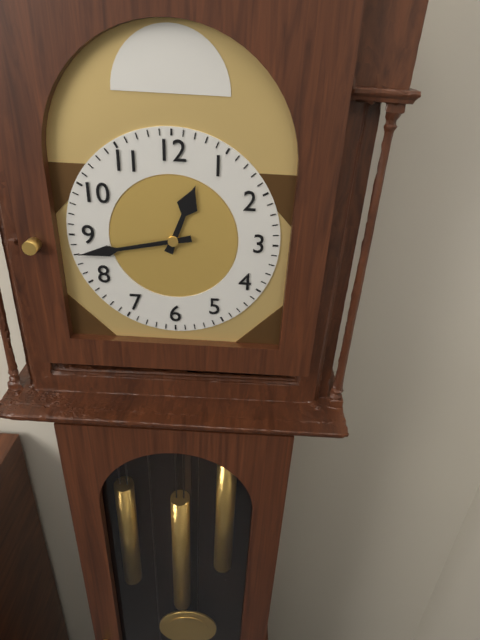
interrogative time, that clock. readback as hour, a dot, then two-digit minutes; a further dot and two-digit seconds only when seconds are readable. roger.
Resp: 12.43
